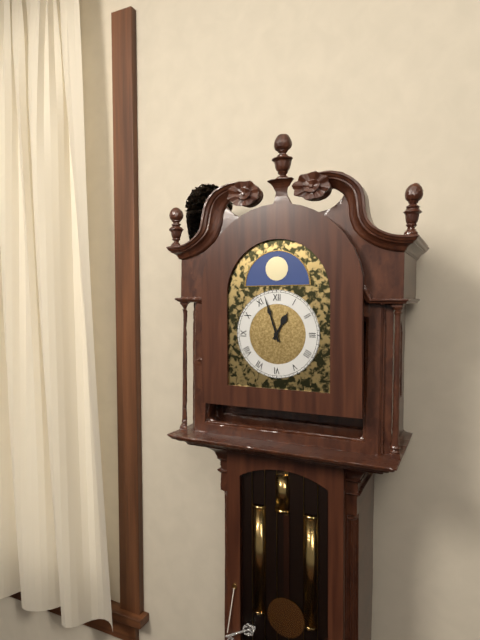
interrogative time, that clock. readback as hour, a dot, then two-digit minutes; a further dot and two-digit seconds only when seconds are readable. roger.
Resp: 12.57
